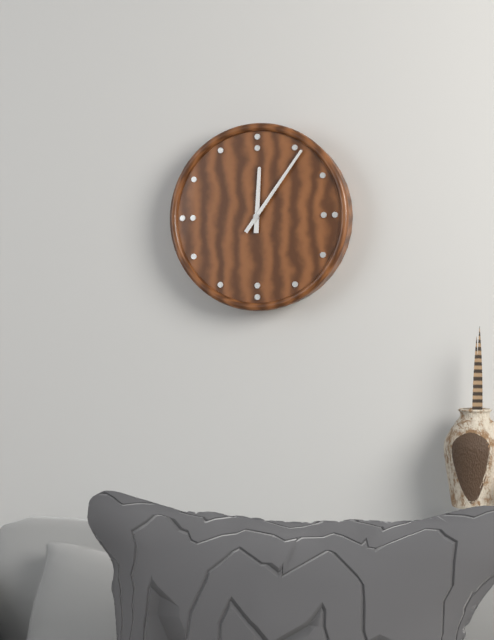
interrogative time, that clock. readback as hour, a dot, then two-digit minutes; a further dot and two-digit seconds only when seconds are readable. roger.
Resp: 12.06
